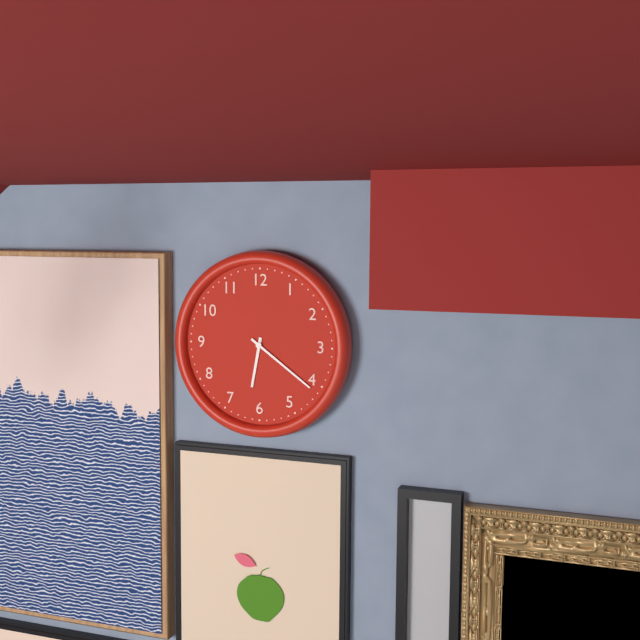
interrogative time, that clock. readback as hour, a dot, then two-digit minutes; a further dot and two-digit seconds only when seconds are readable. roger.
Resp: 6.21
